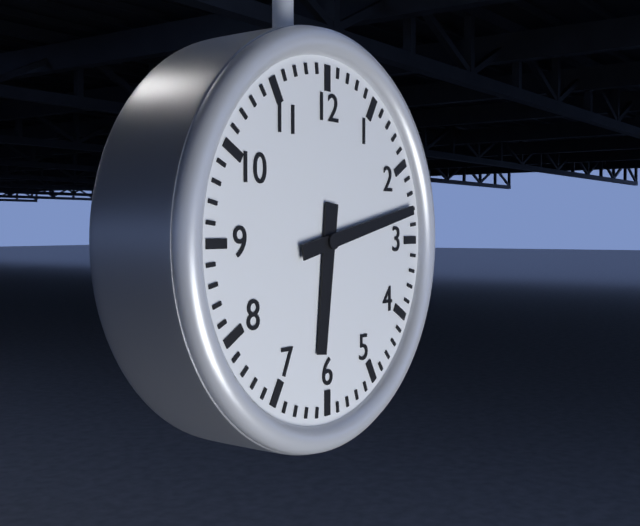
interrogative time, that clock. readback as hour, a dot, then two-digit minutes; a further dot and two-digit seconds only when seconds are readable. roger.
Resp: 6.13
